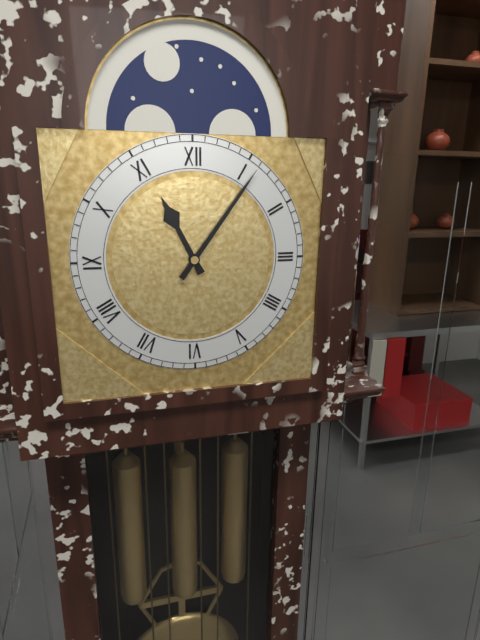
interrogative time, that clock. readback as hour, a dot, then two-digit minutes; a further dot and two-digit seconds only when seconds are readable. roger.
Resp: 11.06
